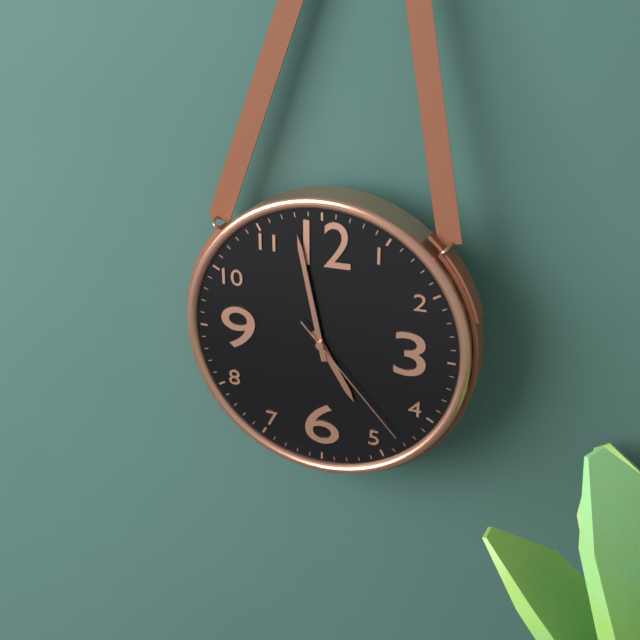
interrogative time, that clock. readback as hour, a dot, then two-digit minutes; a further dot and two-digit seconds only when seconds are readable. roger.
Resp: 4.58.23
